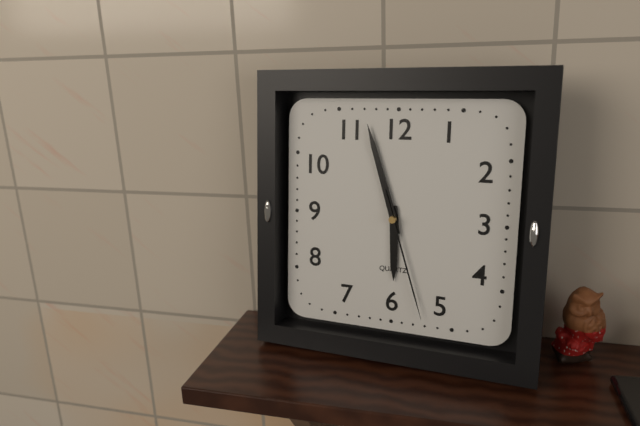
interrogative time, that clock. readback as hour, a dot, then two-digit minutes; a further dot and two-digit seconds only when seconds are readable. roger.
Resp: 5.57.27
